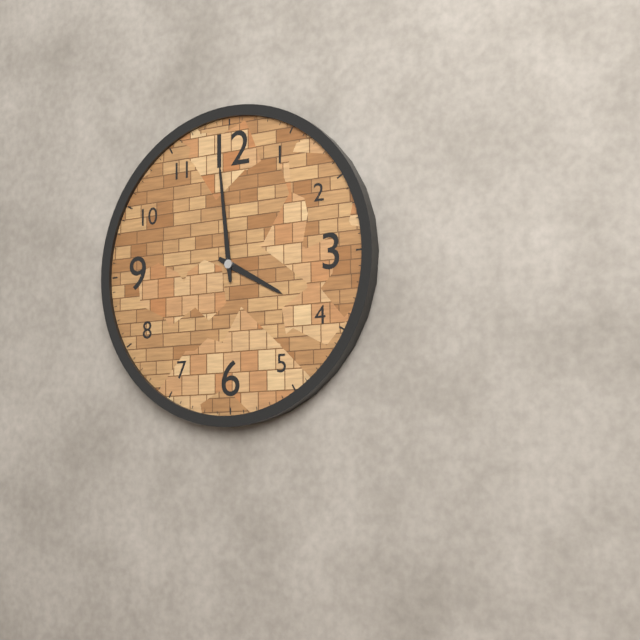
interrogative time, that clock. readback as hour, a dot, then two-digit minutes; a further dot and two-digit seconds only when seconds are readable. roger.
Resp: 3.59
